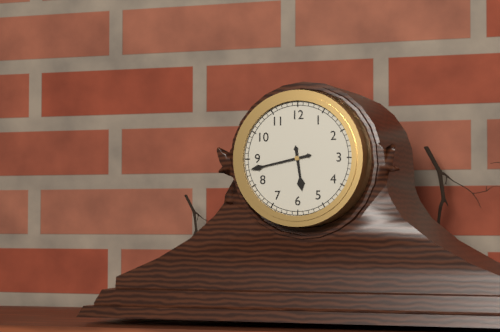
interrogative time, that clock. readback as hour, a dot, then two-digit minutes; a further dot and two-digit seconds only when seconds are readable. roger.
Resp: 5.43
